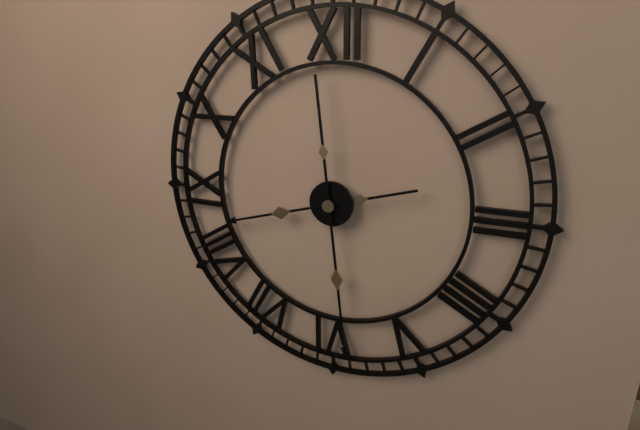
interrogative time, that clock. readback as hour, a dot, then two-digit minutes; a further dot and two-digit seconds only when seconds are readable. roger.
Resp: 8.29
